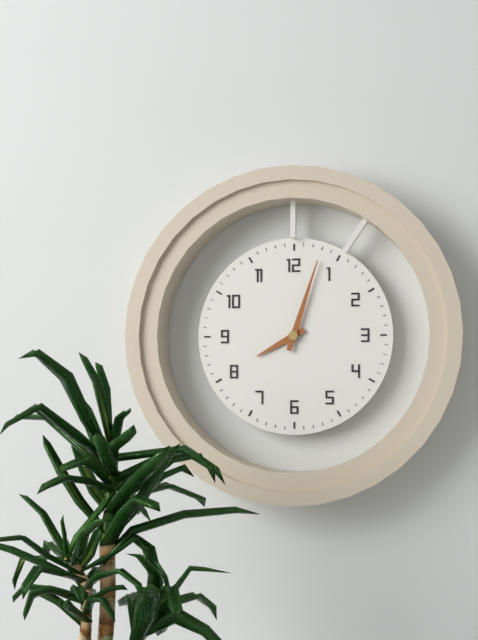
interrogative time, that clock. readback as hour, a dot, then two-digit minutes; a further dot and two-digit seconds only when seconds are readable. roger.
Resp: 8.03
